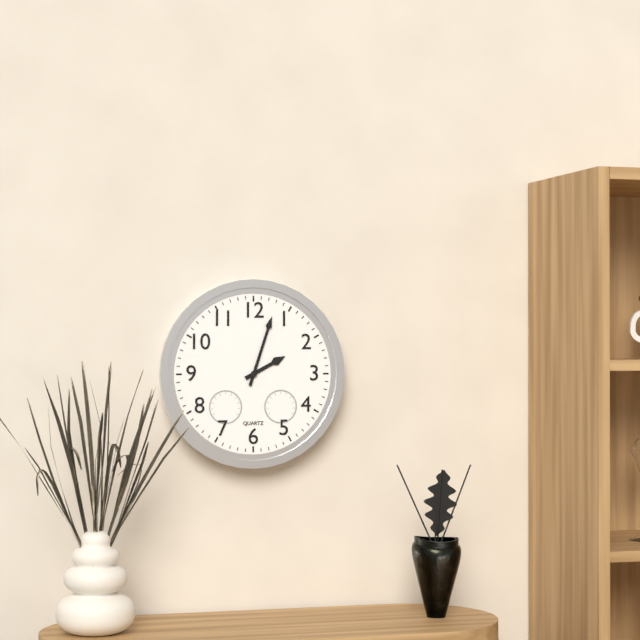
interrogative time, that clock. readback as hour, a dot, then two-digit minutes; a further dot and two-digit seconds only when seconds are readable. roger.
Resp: 2.03
